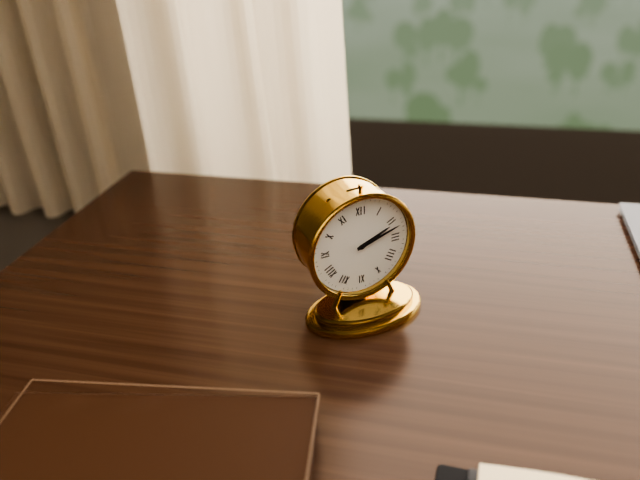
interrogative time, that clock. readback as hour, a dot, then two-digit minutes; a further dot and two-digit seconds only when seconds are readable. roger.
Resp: 2.12
